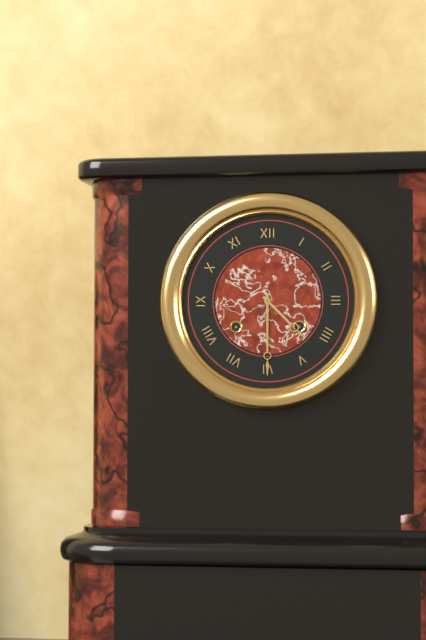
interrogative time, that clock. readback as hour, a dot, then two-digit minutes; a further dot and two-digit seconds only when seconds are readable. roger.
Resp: 4.30
